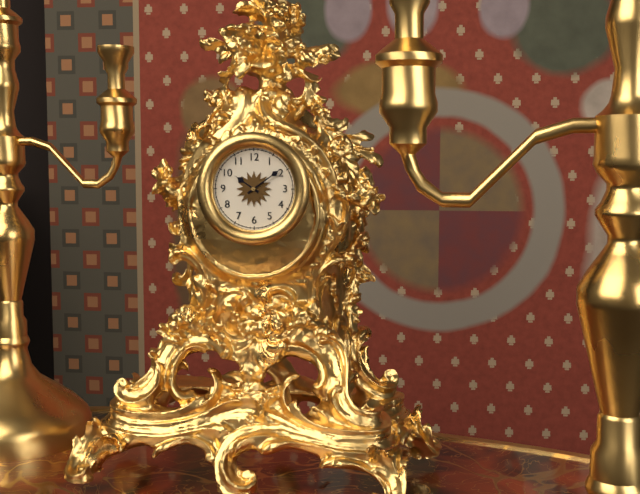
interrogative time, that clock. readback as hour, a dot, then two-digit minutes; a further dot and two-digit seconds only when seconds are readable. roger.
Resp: 10.09
